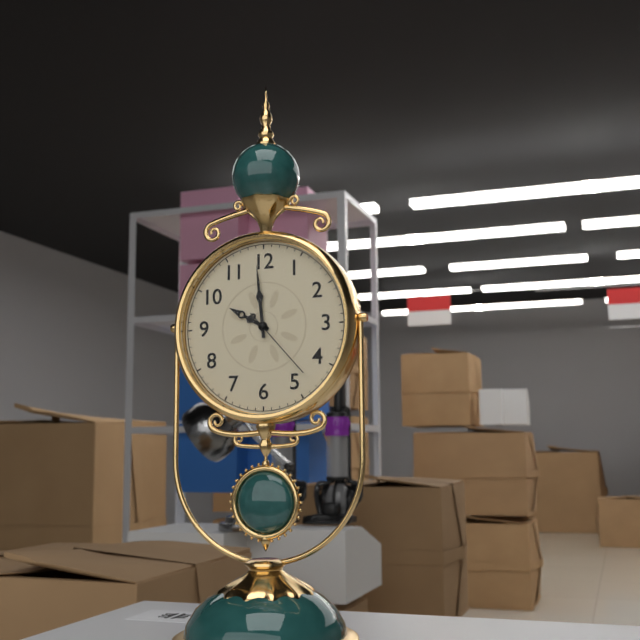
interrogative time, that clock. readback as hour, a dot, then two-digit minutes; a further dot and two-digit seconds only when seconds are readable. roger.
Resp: 9.59.23
